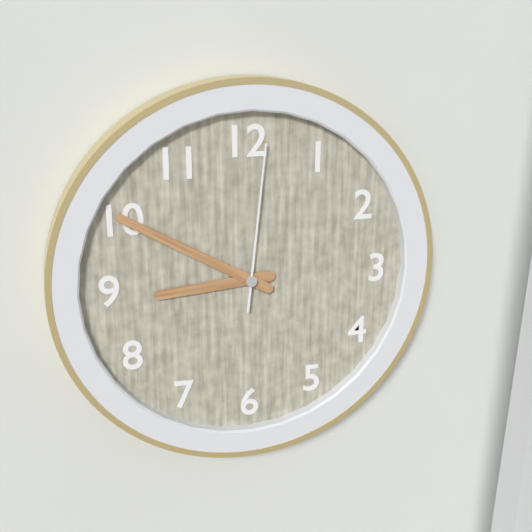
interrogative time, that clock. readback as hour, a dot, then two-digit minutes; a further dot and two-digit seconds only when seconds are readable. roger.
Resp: 8.50.01
